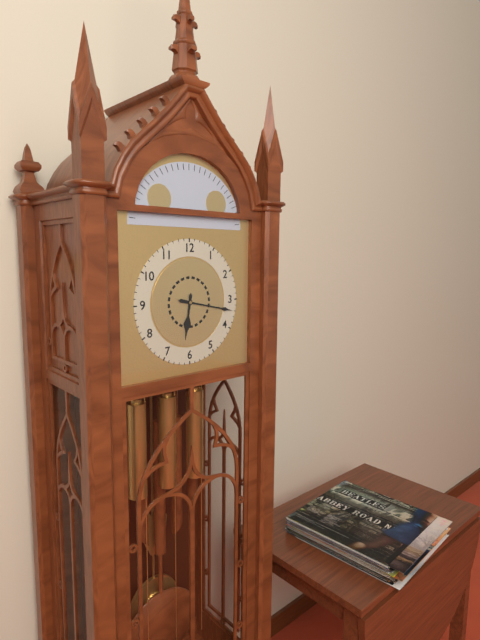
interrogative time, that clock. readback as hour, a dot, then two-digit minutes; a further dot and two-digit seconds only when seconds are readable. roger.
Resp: 6.17
